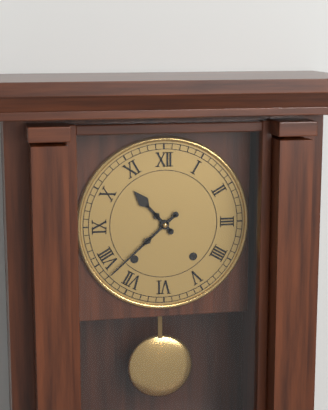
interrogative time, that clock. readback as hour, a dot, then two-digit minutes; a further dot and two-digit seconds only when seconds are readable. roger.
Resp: 10.38
